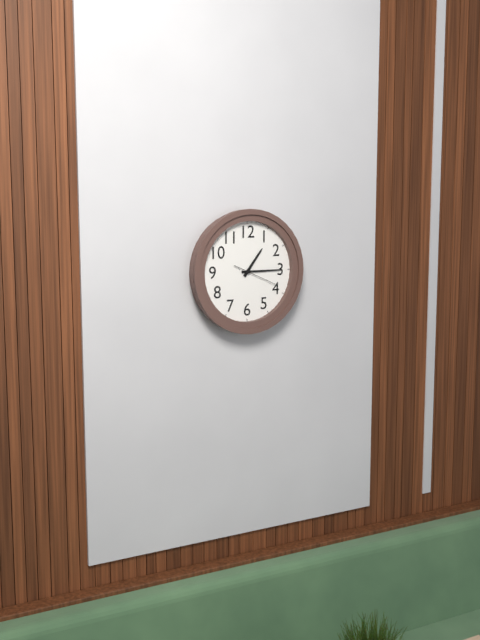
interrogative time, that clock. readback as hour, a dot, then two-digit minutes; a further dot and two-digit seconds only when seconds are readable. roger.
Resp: 1.15
